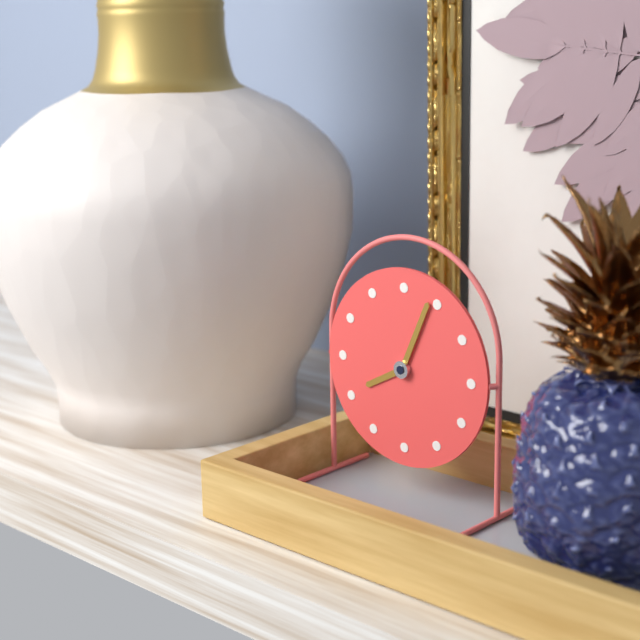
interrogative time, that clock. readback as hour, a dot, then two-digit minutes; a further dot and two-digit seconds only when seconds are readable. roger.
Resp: 8.04
